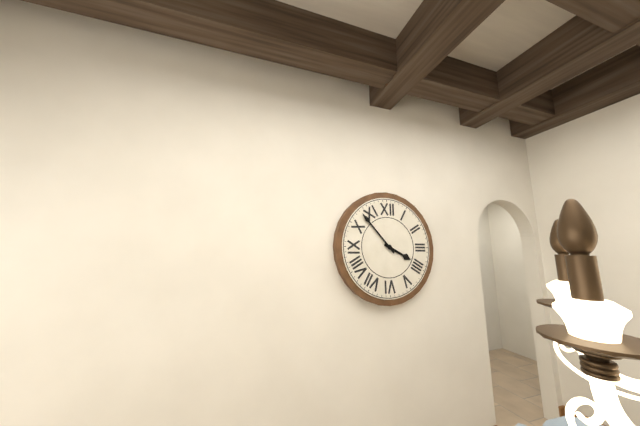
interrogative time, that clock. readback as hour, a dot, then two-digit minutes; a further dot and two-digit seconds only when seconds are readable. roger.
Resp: 3.53
